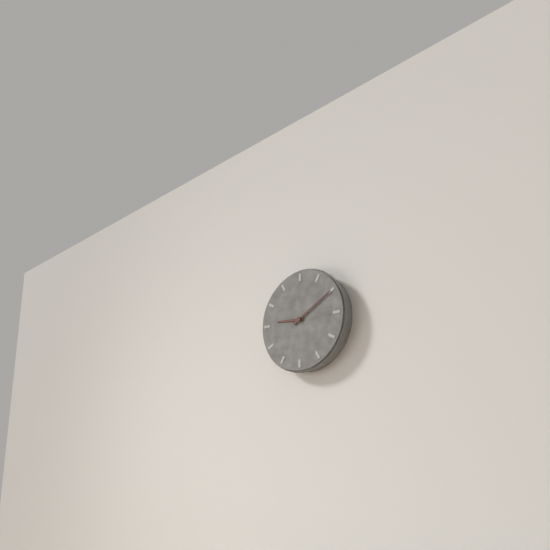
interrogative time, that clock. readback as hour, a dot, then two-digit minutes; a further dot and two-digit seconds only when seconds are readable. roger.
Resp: 9.10
